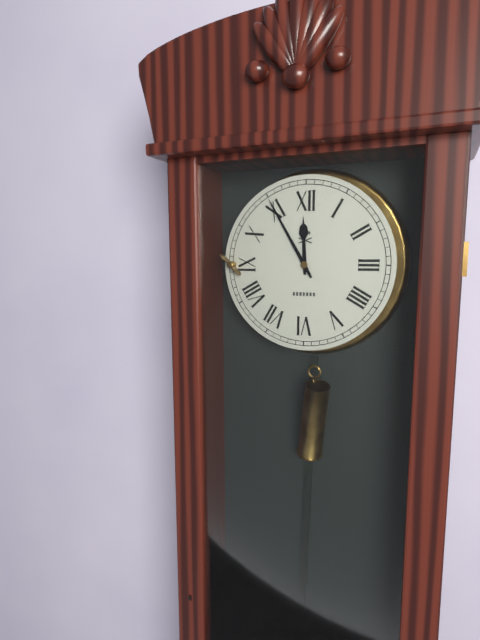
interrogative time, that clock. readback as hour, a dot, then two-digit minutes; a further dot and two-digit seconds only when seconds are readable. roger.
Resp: 11.55
